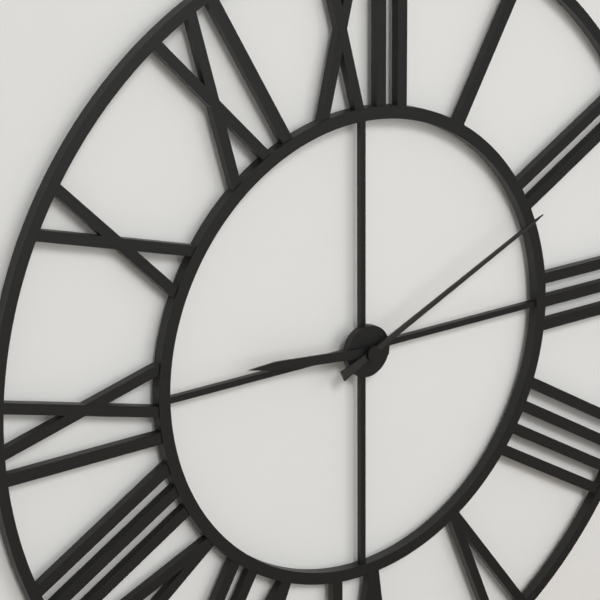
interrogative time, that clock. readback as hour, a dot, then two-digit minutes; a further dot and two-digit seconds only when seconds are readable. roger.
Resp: 9.11
